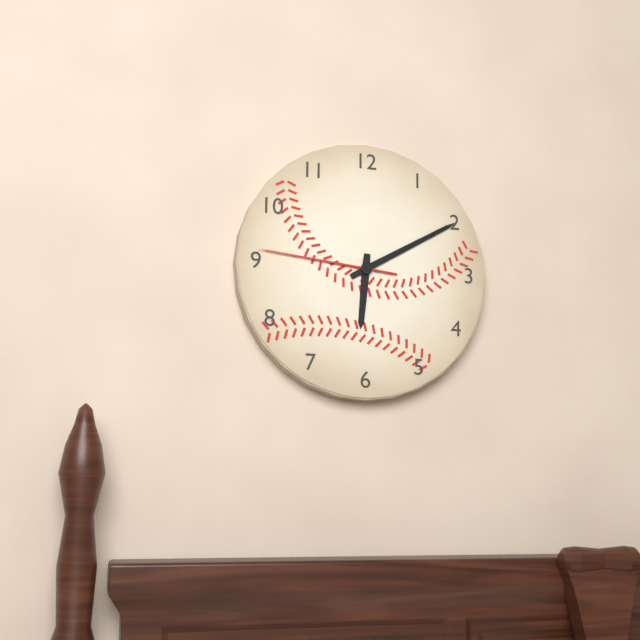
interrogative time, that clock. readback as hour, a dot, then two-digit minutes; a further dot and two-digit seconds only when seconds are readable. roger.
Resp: 6.10.46
